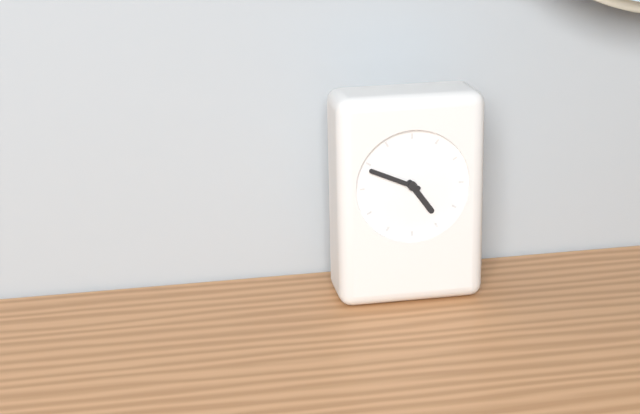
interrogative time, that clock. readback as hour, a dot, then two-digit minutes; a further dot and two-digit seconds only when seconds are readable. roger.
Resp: 4.49
